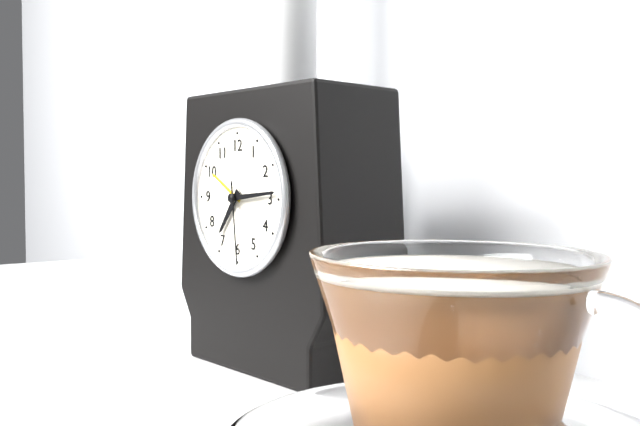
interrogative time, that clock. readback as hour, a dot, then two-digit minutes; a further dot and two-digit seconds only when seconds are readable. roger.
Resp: 7.14.29
